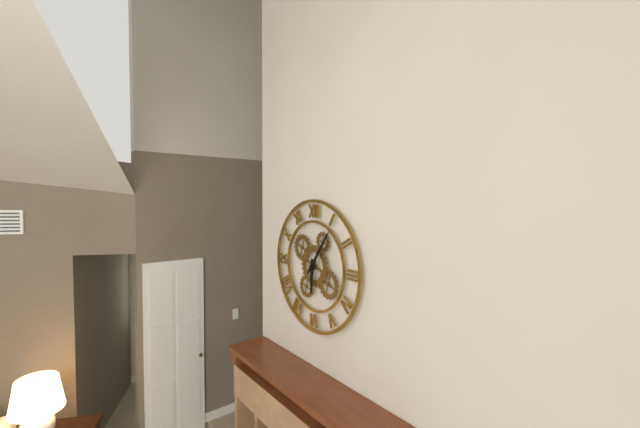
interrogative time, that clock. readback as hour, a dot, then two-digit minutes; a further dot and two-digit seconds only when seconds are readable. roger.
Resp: 6.06
